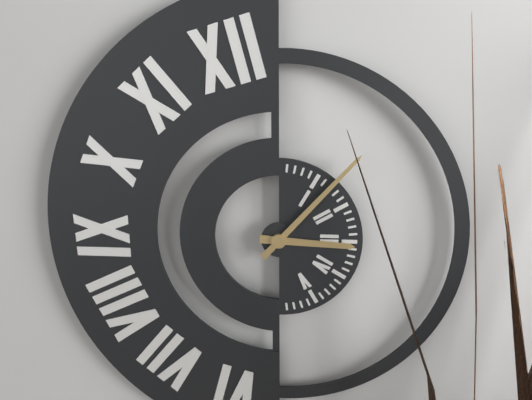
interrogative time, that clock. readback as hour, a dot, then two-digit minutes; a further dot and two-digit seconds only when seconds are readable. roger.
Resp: 3.07
